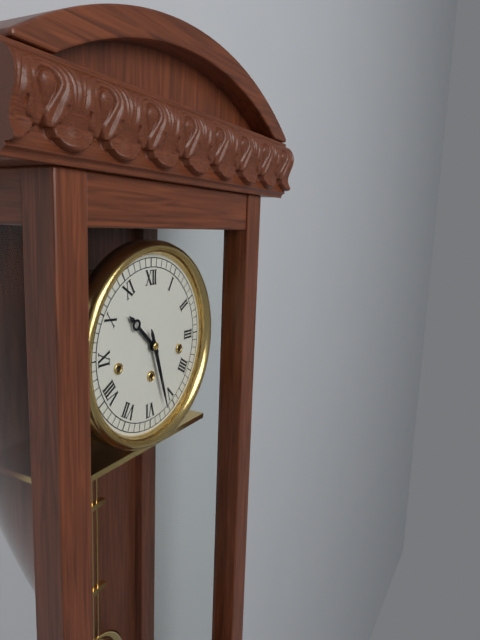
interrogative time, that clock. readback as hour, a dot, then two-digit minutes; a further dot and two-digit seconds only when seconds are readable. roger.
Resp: 10.27
